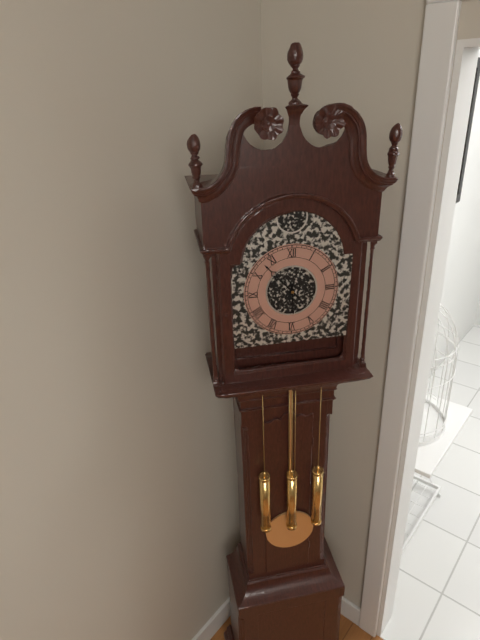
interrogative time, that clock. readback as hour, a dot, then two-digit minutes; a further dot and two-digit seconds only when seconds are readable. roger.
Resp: 5.53
